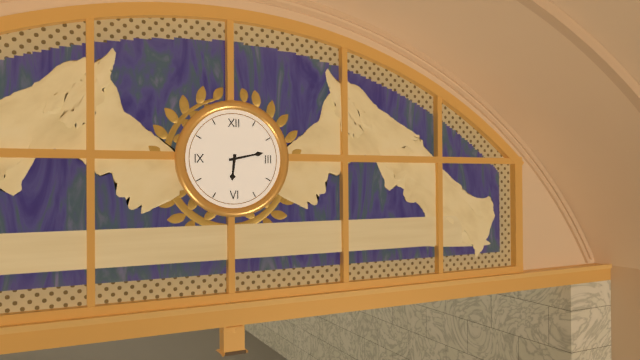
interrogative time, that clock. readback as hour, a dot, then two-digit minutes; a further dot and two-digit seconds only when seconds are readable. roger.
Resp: 6.13
